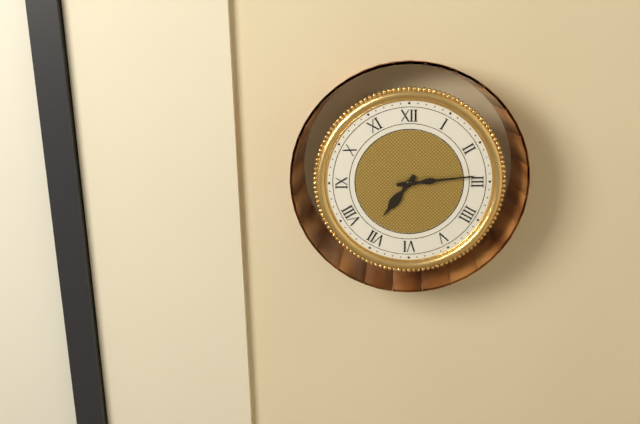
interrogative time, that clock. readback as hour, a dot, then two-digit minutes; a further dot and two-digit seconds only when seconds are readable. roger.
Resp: 7.14
